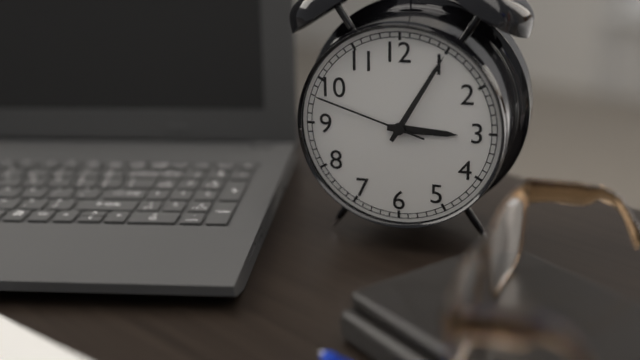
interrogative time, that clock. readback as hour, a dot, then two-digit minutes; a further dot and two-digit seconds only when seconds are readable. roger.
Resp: 3.05.48
